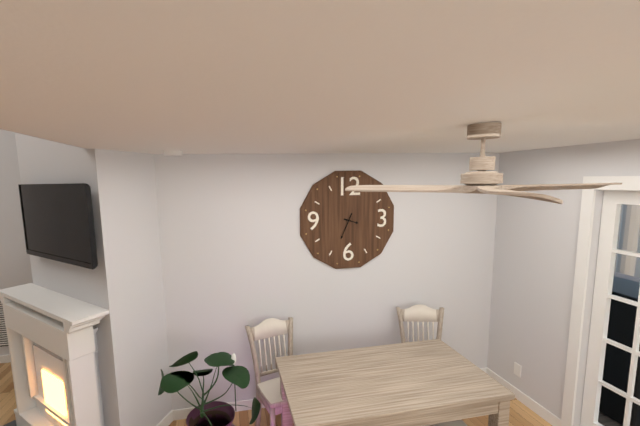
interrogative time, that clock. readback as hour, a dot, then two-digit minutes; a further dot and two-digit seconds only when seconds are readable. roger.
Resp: 3.34
